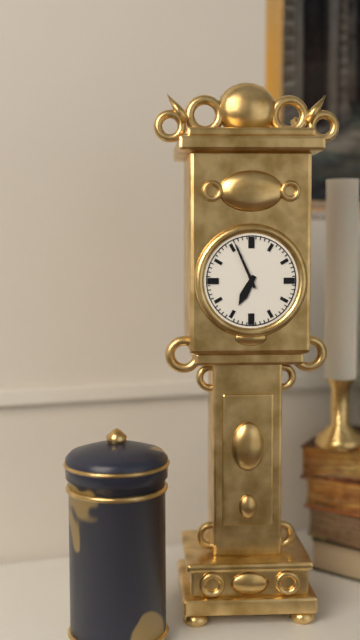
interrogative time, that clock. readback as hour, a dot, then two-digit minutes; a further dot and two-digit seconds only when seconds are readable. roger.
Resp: 6.56
